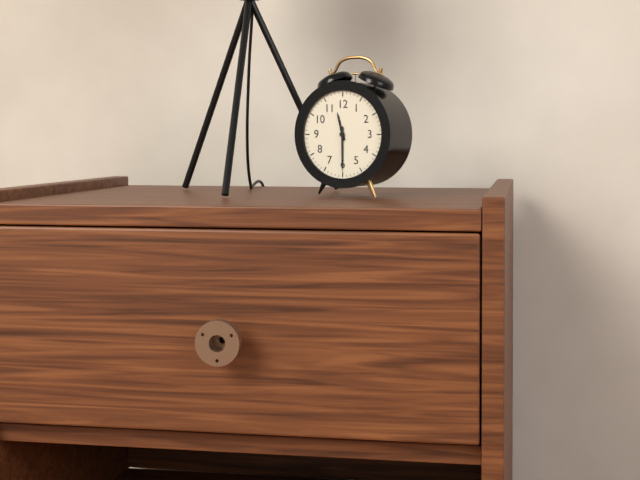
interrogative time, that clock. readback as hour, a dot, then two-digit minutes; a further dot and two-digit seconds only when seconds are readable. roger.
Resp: 11.30
